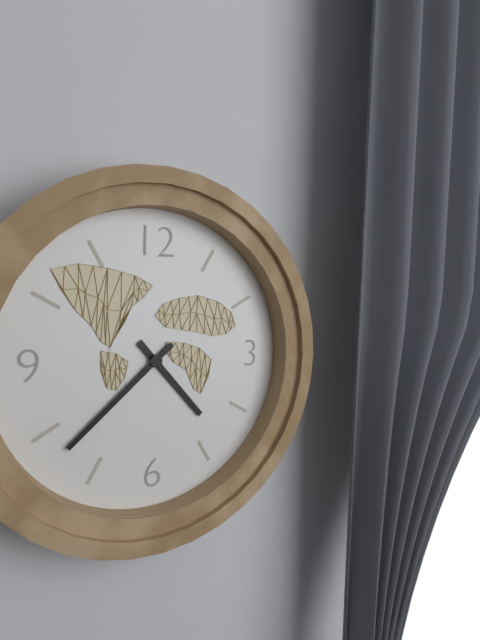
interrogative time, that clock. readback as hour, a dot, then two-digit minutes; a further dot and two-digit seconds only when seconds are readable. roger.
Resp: 4.38
